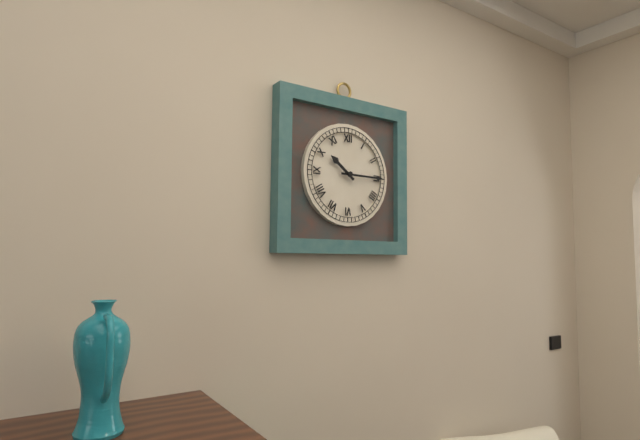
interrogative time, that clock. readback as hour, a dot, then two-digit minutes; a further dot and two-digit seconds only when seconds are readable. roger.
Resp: 10.15
